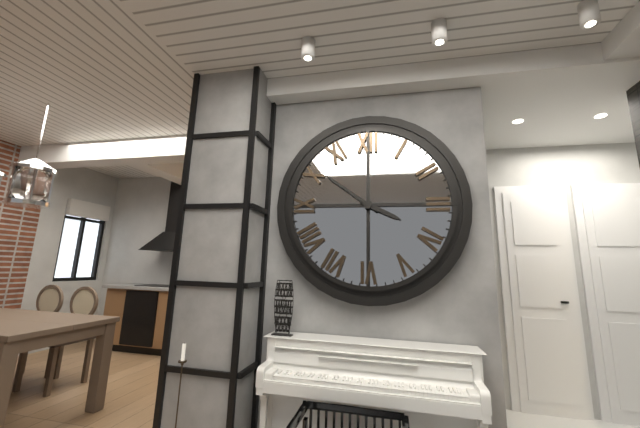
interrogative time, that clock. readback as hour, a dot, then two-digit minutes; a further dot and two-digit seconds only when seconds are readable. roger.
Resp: 3.51
